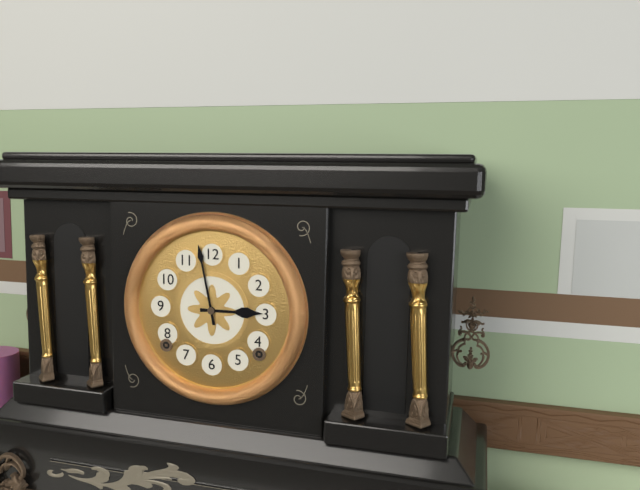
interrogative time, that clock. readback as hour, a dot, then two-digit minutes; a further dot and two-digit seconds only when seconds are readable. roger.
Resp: 2.58
